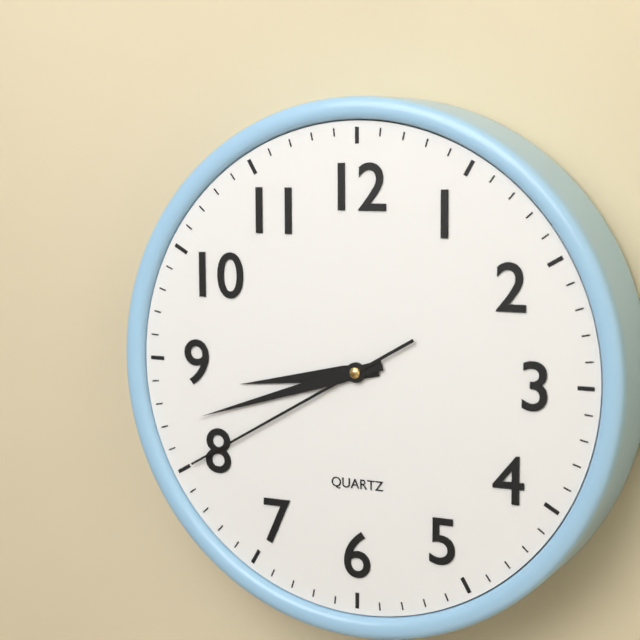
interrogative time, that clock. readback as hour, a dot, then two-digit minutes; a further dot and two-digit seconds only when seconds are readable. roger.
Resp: 8.42.40
